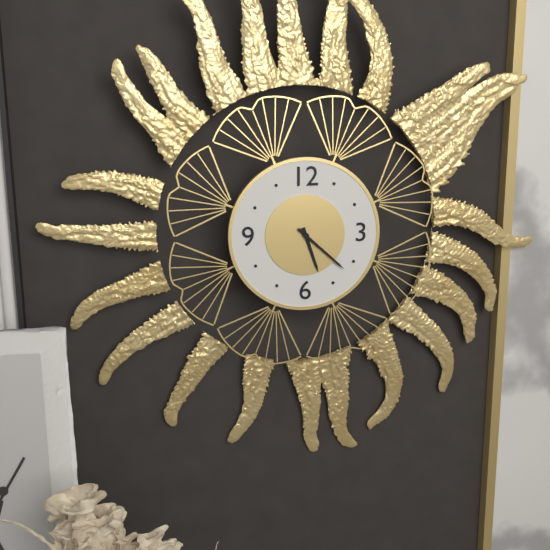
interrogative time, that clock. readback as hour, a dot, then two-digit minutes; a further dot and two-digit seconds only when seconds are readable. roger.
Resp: 5.22
